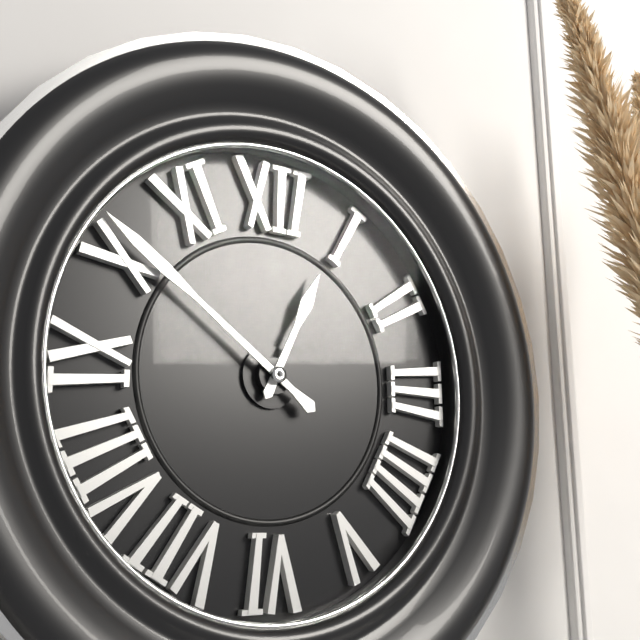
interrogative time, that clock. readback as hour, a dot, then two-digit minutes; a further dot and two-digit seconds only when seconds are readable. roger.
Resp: 12.51
